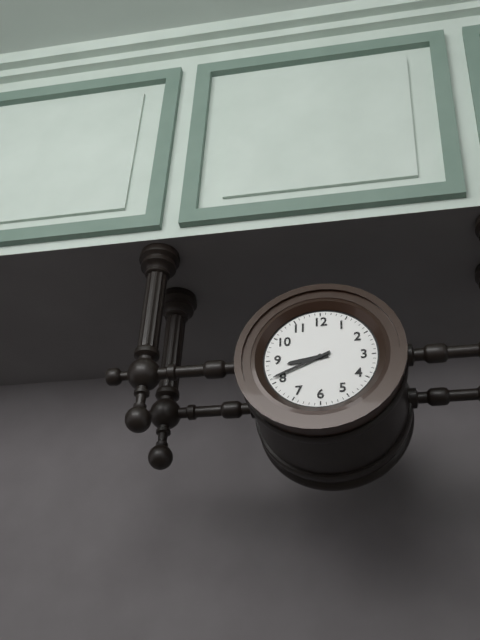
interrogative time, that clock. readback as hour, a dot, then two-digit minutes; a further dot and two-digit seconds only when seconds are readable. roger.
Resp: 8.41
